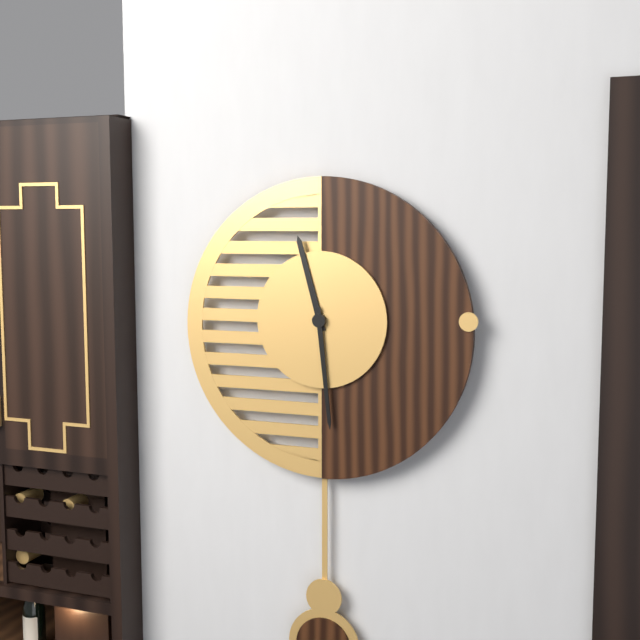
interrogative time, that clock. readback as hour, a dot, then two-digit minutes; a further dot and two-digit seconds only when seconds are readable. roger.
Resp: 11.29
